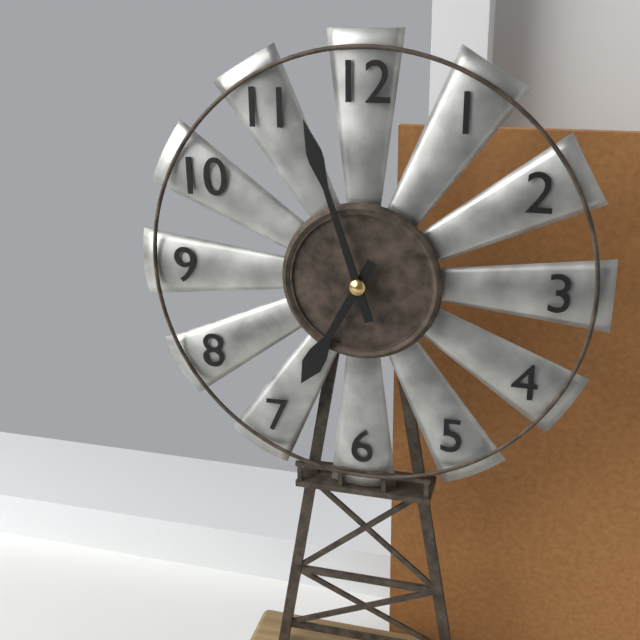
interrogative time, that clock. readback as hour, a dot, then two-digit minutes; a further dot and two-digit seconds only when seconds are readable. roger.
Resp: 6.57
